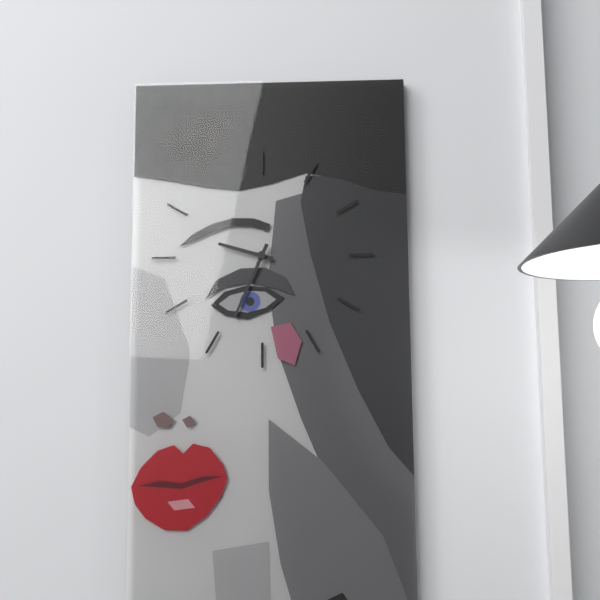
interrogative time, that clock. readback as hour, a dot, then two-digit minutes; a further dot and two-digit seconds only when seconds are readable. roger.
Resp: 9.34
